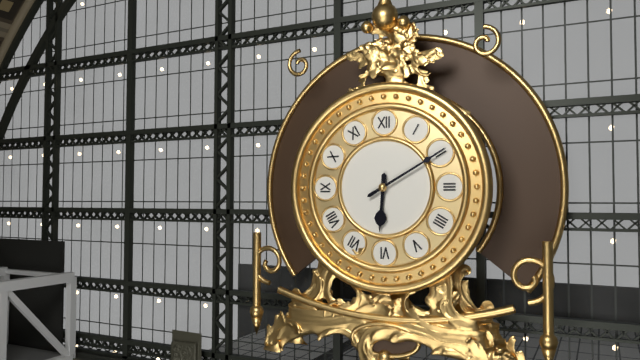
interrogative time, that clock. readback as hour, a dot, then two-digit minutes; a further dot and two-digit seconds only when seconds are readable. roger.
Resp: 6.10
